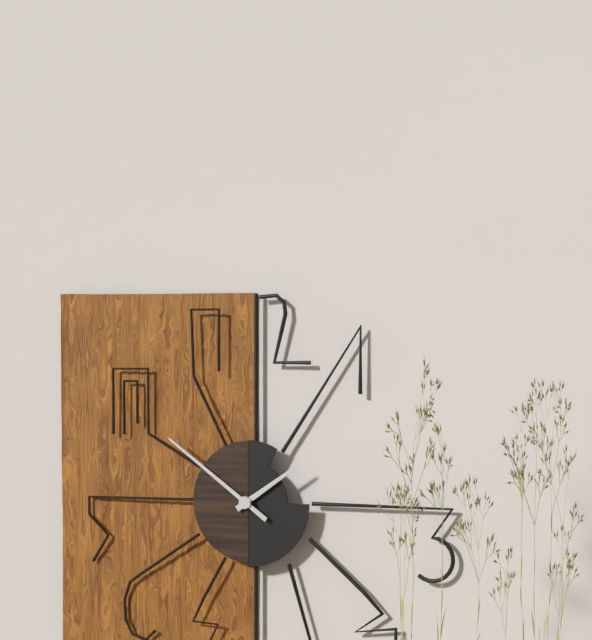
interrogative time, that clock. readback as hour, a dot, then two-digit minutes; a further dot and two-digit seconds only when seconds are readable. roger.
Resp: 1.51
